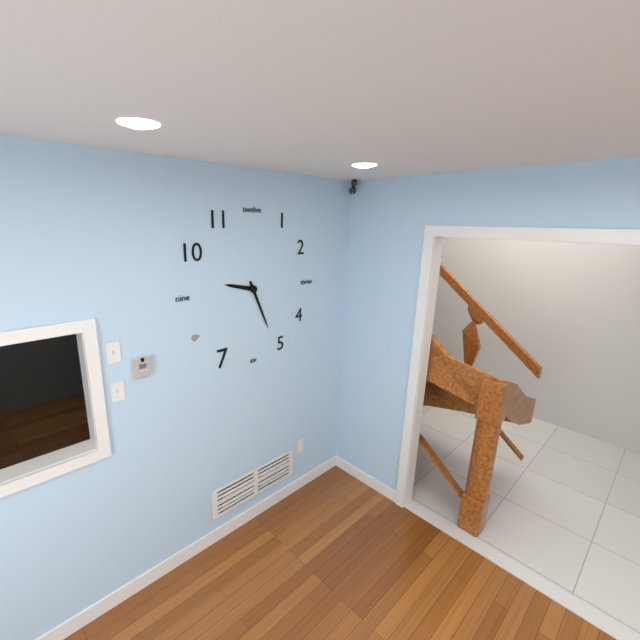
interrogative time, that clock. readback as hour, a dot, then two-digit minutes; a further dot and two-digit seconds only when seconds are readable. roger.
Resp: 9.26
